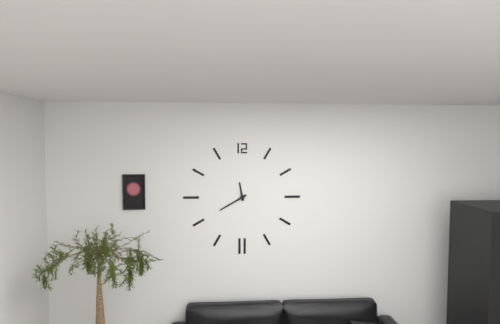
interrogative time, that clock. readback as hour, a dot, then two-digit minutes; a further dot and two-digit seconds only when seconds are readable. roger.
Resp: 11.40
